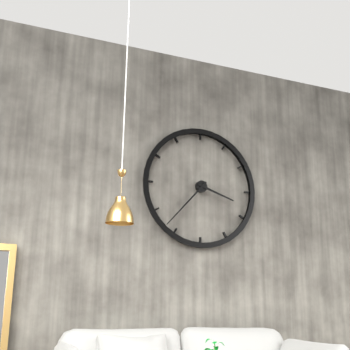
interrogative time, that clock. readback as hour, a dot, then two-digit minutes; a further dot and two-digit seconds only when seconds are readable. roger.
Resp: 3.37
